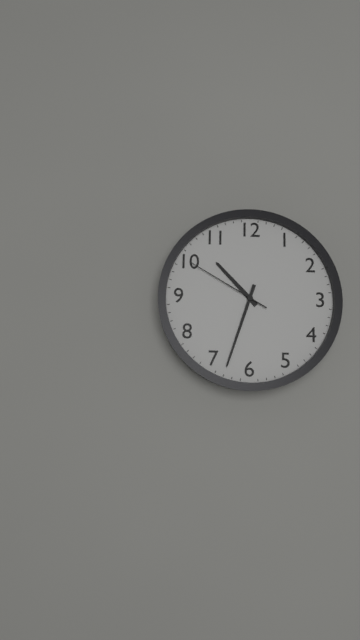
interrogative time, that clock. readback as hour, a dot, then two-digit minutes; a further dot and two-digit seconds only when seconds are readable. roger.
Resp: 10.33.50
